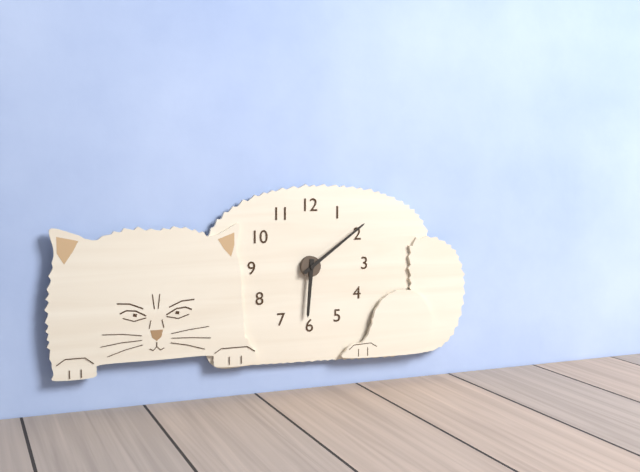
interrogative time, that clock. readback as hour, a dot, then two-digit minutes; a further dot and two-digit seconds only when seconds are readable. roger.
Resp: 6.09
